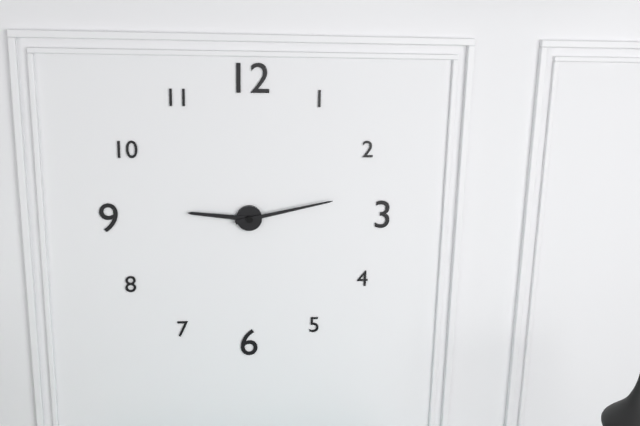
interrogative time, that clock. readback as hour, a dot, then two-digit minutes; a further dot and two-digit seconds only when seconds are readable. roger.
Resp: 9.13
